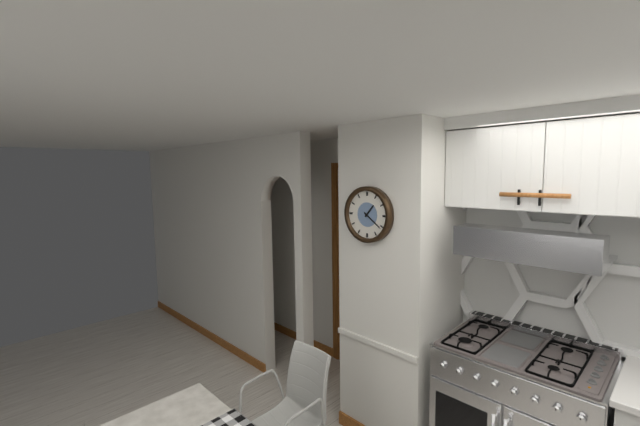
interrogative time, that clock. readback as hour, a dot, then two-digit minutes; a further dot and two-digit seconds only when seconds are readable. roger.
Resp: 1.21
